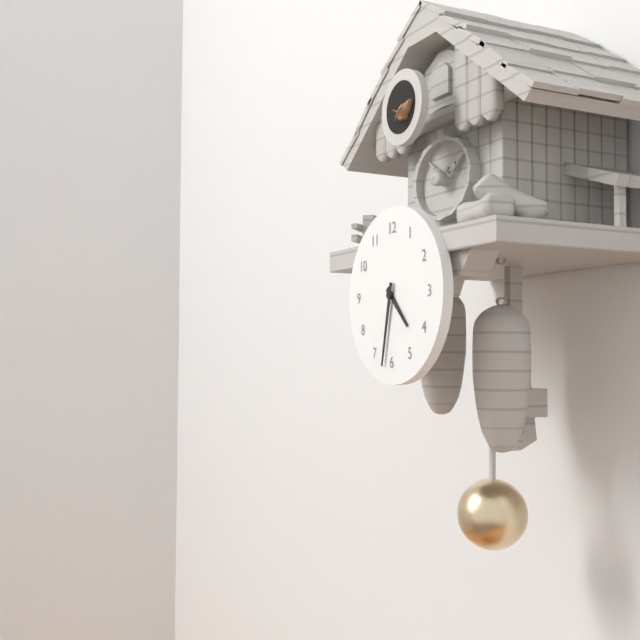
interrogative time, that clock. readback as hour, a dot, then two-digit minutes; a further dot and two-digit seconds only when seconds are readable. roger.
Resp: 4.32
